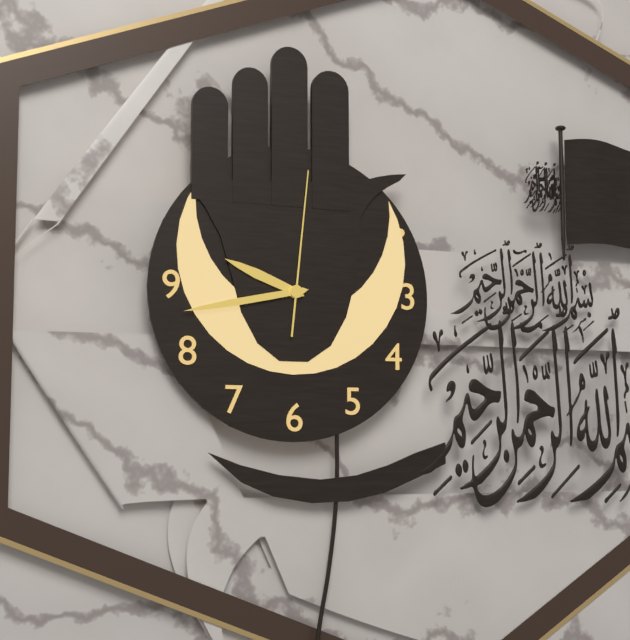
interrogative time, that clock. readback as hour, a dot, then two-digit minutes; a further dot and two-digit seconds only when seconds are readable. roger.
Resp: 9.43.01
